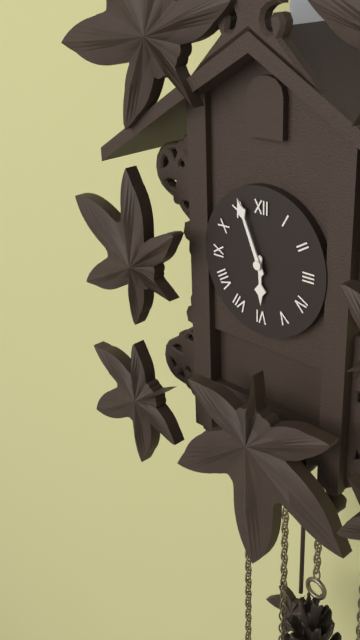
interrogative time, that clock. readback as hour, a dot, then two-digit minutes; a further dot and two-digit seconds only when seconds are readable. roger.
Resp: 5.56
